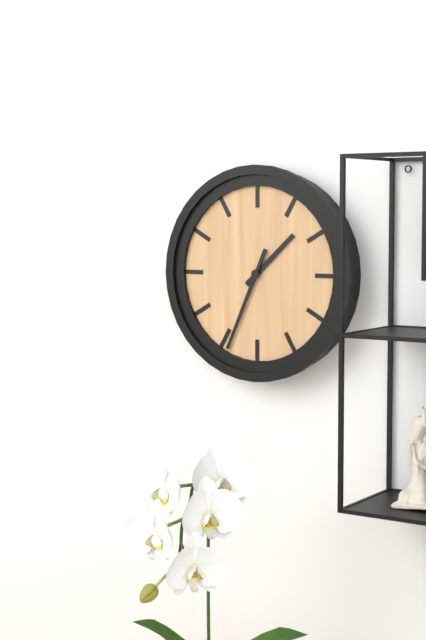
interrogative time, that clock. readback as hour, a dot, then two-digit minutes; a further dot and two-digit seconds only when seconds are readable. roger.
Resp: 1.34
